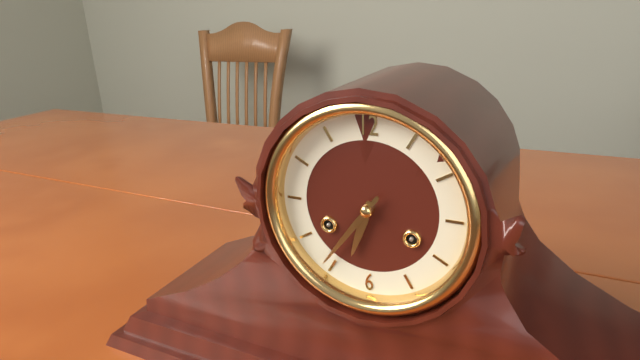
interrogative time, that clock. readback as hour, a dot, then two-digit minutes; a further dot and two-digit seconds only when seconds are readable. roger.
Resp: 6.36
